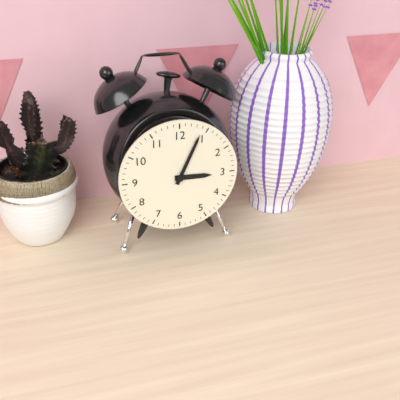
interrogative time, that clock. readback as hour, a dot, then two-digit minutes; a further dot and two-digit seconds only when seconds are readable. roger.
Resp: 3.04
